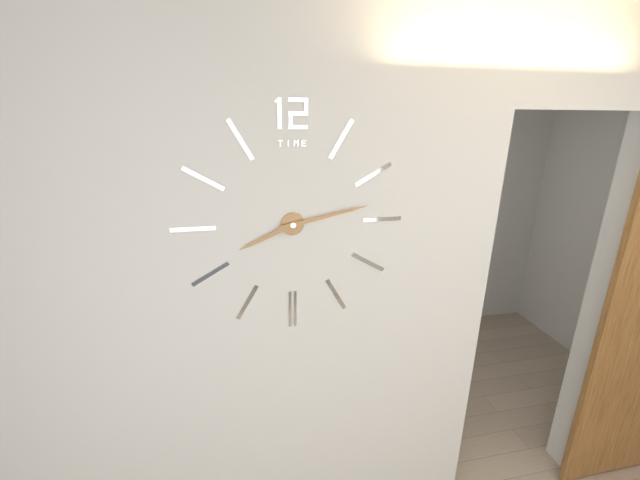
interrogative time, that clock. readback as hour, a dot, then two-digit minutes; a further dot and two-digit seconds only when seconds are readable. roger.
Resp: 8.13
